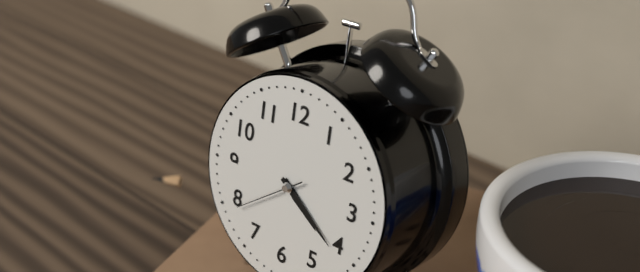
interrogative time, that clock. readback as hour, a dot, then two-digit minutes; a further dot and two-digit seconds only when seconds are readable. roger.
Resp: 4.21.39
